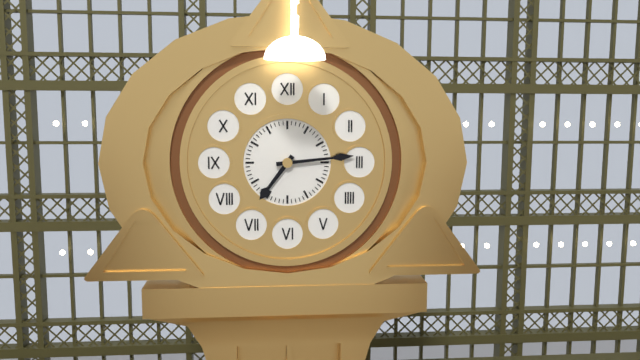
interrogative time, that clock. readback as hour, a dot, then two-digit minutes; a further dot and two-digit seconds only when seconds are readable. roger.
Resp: 7.14
